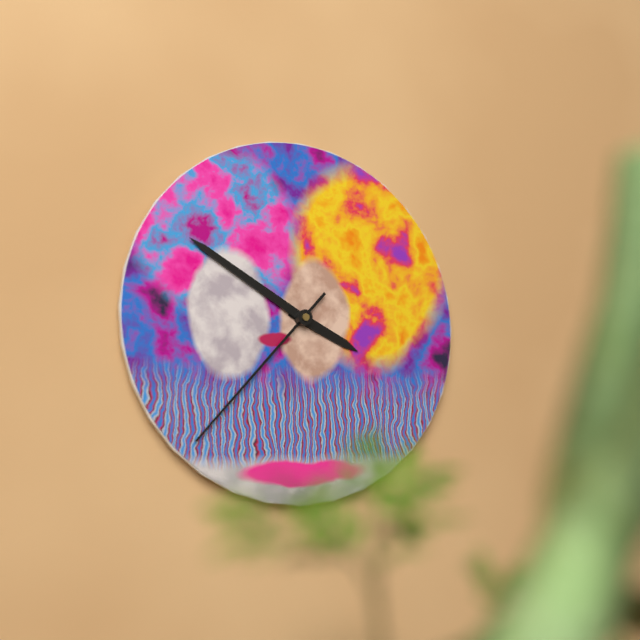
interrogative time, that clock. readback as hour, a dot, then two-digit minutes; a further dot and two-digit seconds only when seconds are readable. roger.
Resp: 3.50.37
